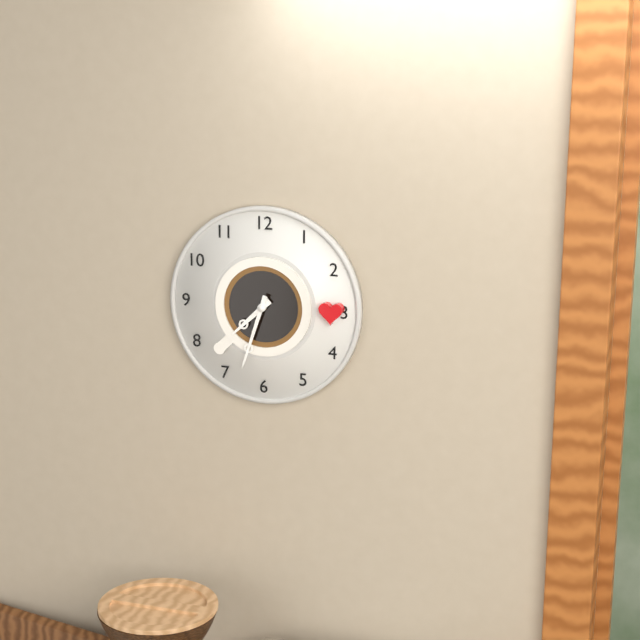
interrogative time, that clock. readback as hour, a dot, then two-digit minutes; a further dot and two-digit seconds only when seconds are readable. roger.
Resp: 7.33
